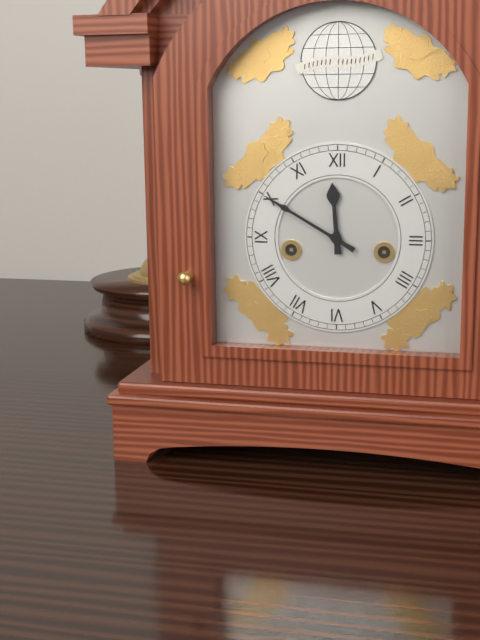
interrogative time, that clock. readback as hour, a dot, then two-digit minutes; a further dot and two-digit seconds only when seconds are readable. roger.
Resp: 11.50
